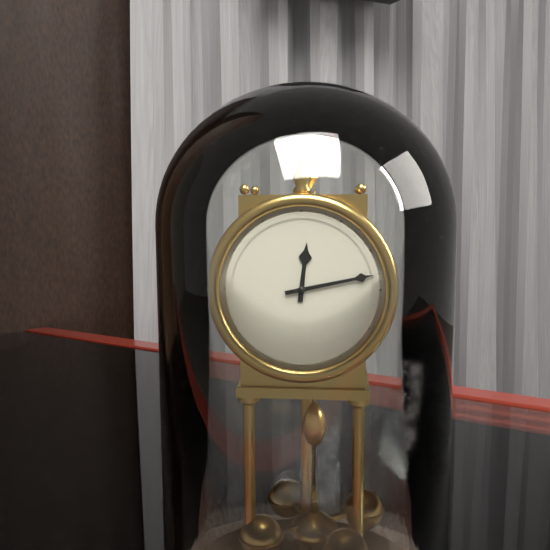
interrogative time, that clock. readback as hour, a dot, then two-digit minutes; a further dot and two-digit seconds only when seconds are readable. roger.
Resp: 12.13
